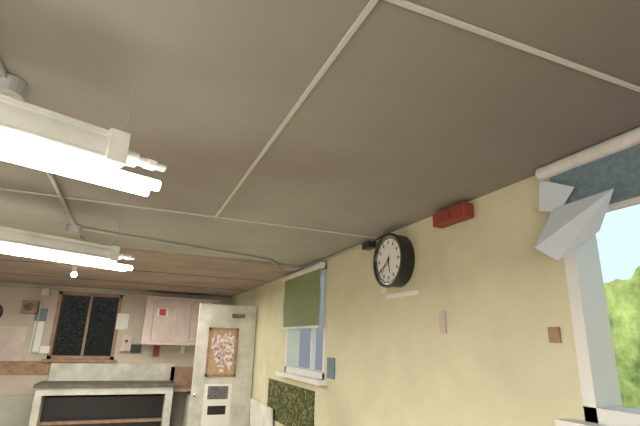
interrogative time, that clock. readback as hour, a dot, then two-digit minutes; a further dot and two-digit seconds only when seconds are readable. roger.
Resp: 5.39
